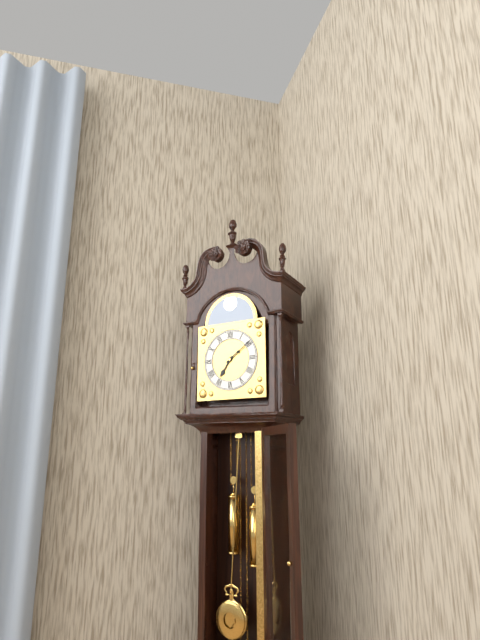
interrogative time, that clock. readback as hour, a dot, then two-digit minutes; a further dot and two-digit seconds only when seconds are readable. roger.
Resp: 7.09
